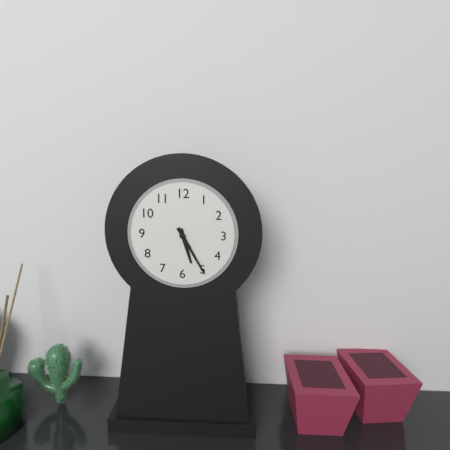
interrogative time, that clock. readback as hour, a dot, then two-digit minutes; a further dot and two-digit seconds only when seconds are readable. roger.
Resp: 5.25
